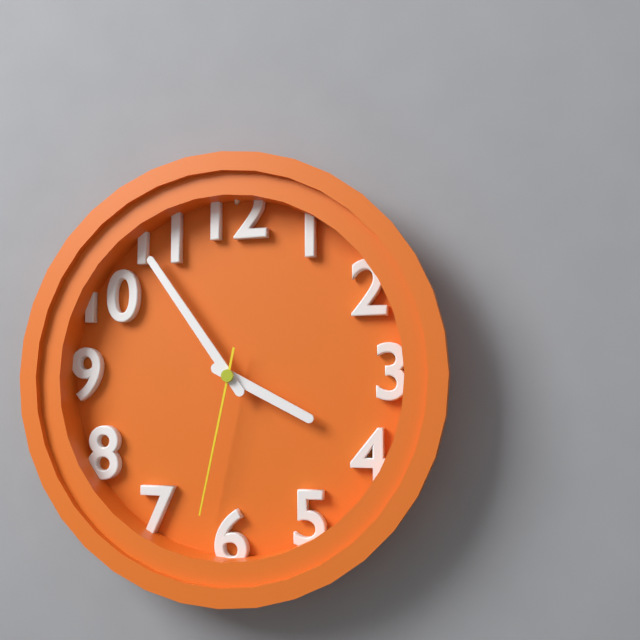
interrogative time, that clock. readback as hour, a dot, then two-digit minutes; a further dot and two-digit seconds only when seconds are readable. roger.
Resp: 3.54.32
